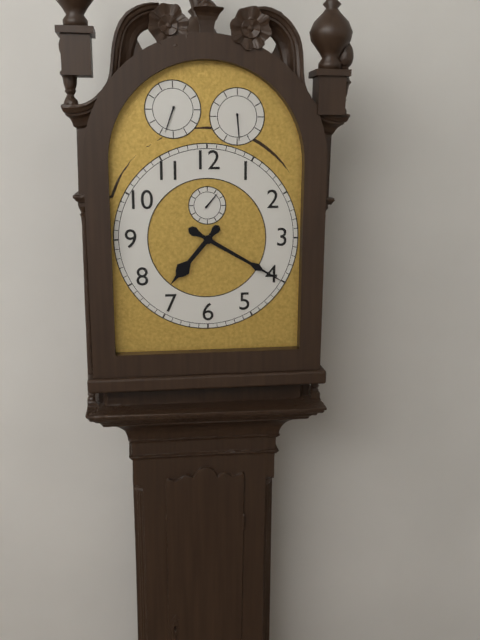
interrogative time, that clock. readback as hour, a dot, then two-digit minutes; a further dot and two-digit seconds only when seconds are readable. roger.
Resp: 7.20
